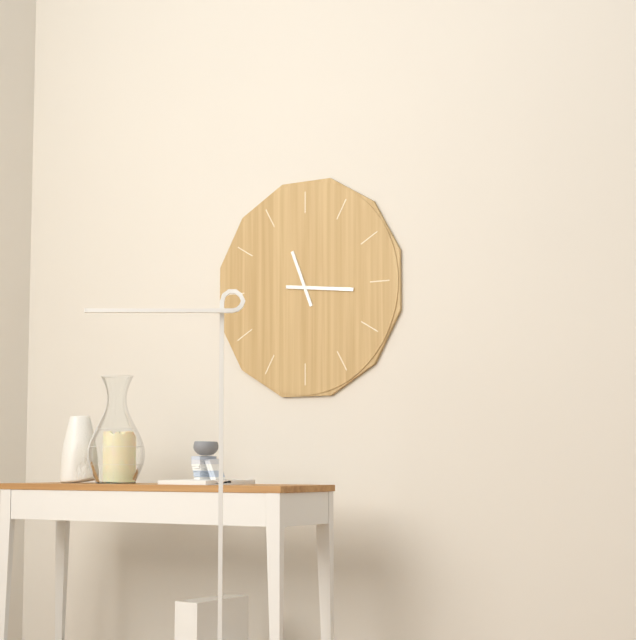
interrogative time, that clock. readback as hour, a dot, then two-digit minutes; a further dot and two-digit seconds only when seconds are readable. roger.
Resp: 11.16
